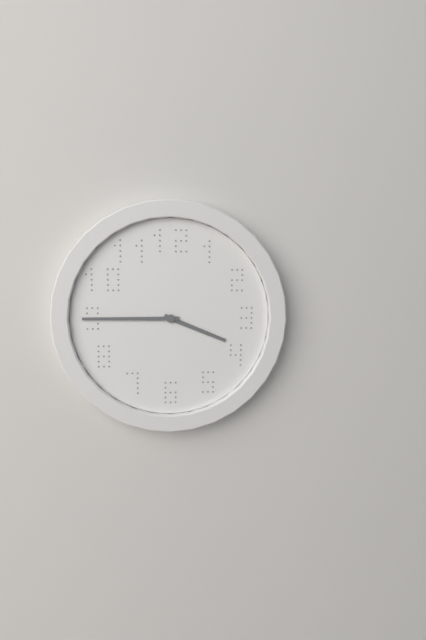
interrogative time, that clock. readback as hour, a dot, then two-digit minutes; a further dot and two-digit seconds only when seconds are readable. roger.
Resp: 3.45
